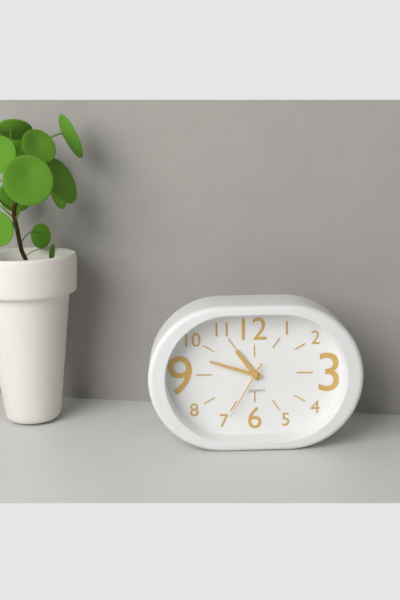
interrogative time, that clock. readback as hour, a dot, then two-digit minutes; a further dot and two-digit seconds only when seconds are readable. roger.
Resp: 10.48.35
